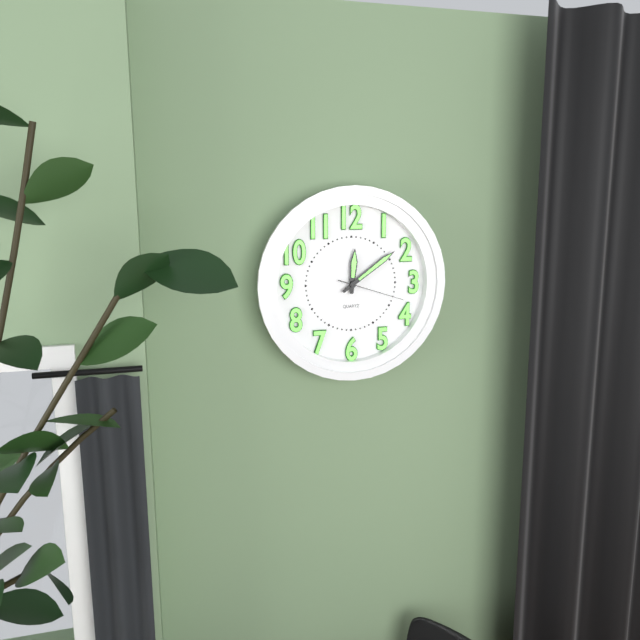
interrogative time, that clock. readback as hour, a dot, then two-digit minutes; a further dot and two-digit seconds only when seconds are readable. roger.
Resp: 12.09.18
